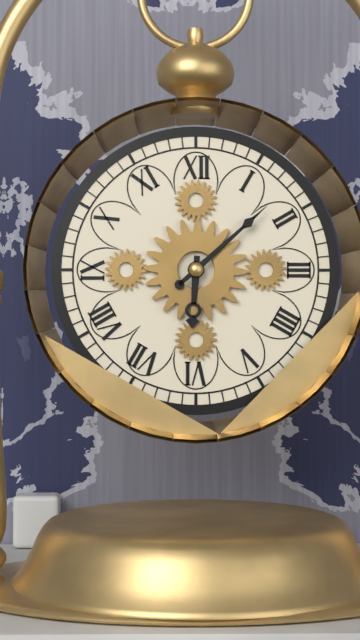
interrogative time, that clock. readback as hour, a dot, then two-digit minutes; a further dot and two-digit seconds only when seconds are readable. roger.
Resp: 6.08
